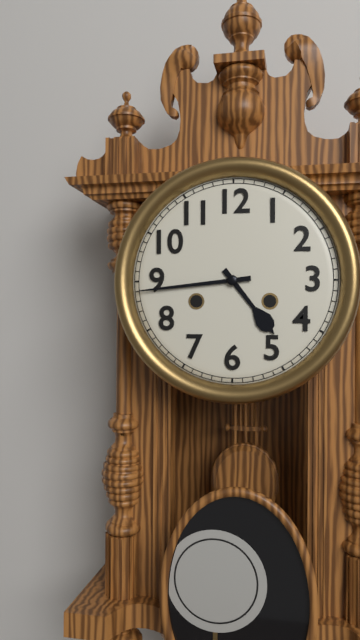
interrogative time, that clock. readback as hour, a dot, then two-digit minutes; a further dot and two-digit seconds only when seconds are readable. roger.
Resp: 4.44
